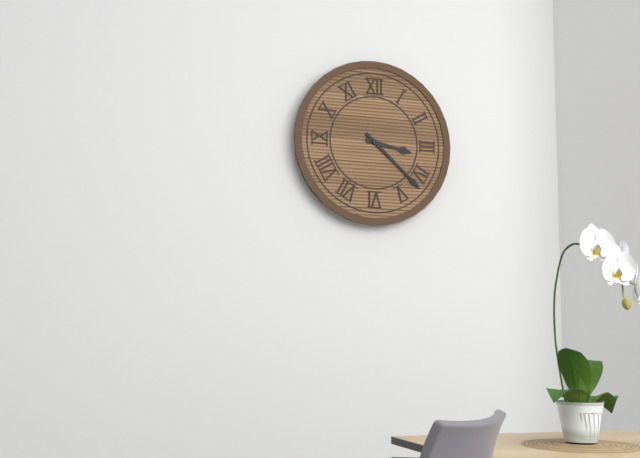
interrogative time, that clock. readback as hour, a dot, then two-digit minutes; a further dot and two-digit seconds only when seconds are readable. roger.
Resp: 3.22
